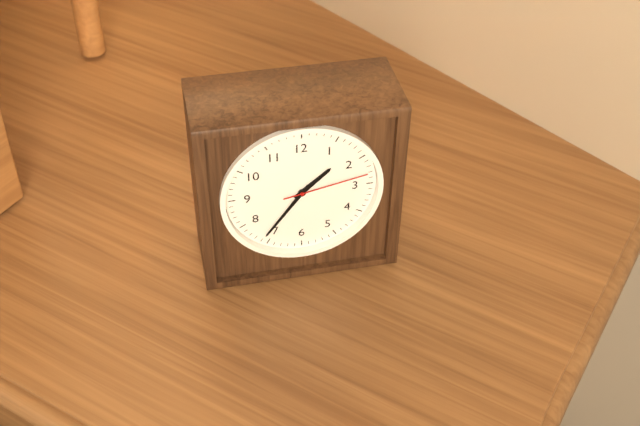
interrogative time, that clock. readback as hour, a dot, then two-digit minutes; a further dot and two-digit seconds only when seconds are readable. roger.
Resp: 1.36.13
